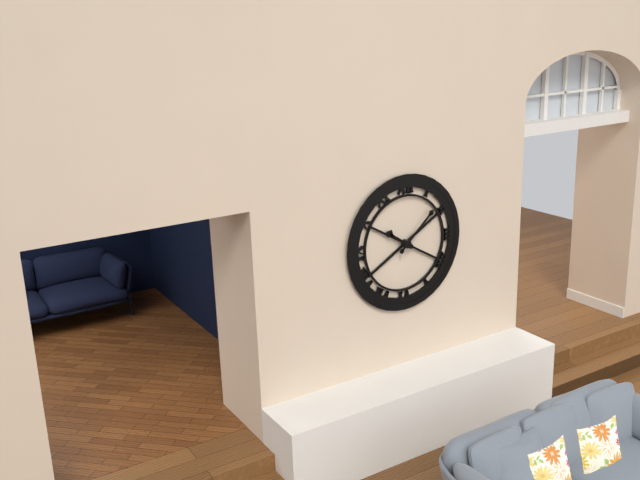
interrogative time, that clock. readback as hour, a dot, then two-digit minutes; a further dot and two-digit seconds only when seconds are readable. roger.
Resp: 10.08
